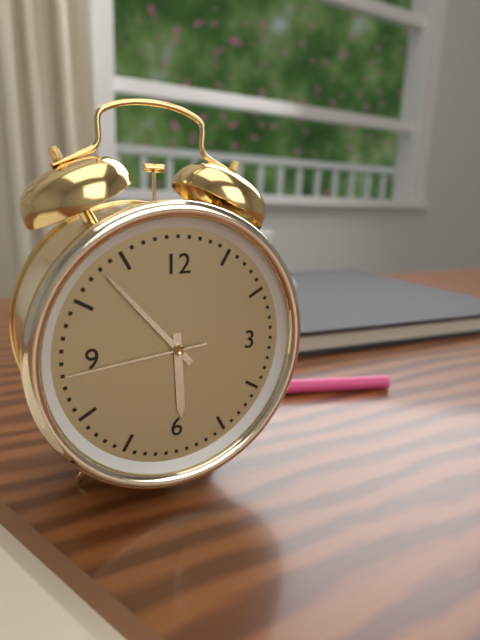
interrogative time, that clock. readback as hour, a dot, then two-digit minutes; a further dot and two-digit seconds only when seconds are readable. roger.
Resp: 5.53.44
